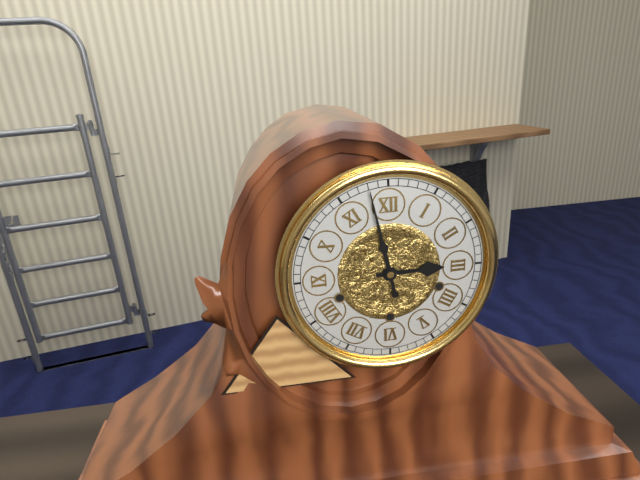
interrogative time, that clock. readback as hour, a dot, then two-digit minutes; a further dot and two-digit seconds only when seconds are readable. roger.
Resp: 2.58
